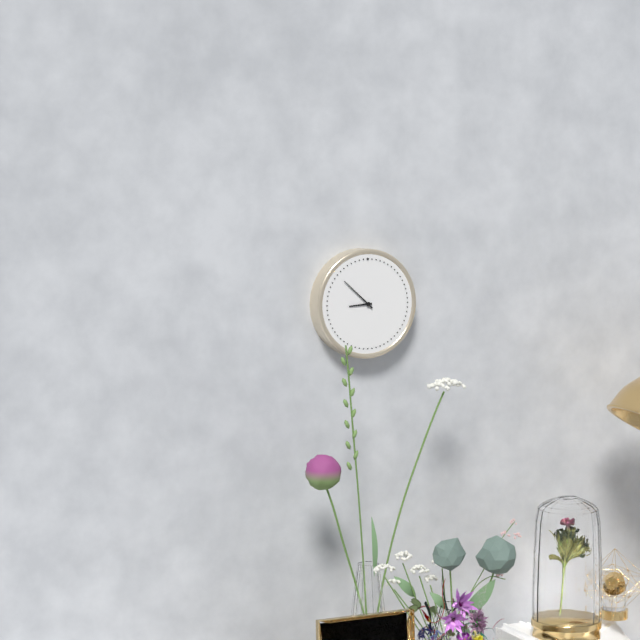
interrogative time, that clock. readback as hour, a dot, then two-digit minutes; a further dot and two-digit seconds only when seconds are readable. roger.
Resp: 8.52
